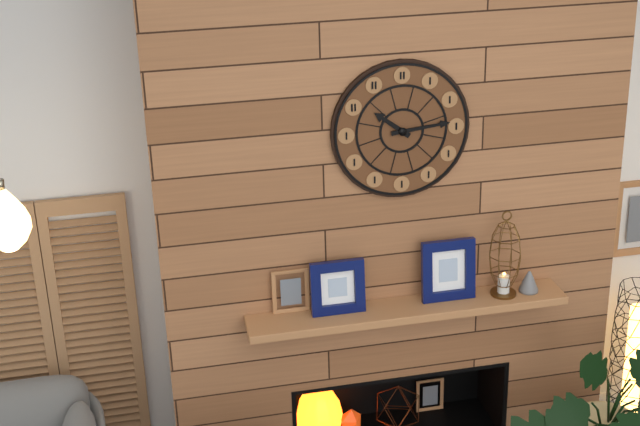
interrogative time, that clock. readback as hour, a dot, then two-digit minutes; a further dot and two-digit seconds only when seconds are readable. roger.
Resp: 10.14
